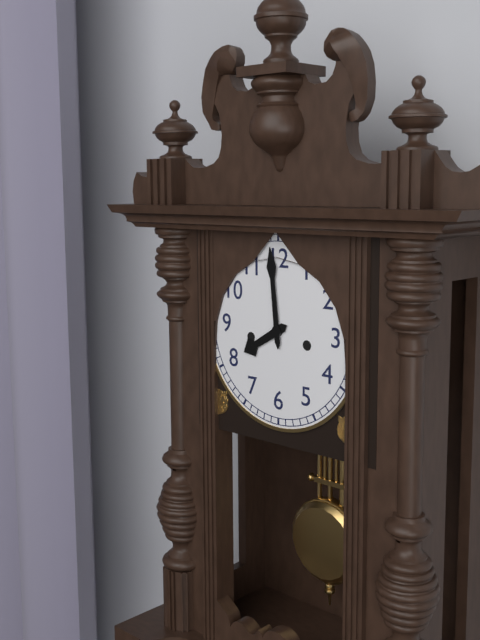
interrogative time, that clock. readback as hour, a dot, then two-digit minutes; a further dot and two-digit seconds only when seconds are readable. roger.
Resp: 7.59
